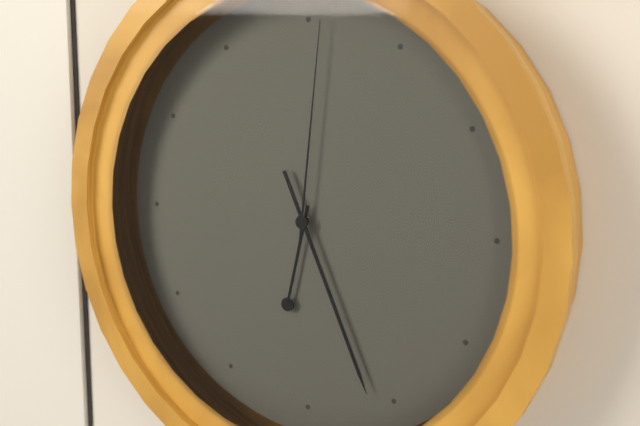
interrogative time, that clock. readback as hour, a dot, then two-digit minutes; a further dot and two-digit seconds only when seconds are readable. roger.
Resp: 6.26.01
